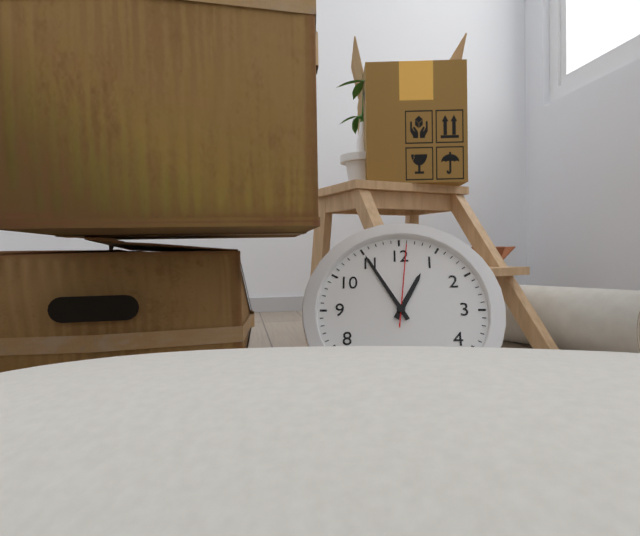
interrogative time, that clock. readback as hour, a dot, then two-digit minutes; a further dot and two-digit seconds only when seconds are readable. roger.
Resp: 12.55.01
